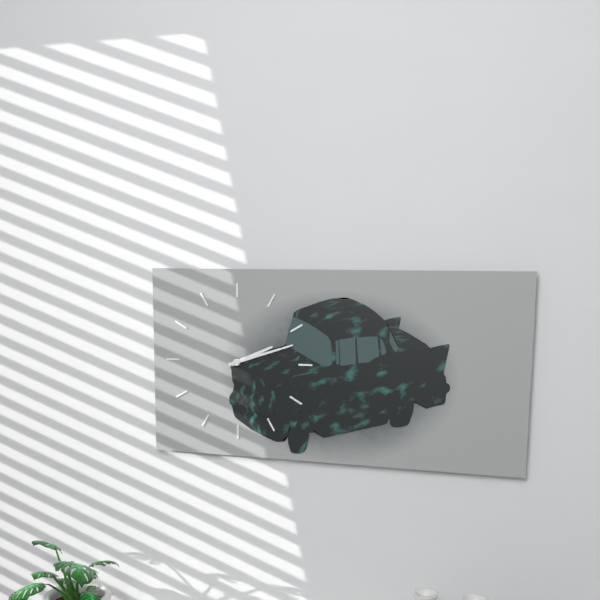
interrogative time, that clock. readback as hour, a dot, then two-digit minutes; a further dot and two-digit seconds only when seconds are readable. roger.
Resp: 2.12
